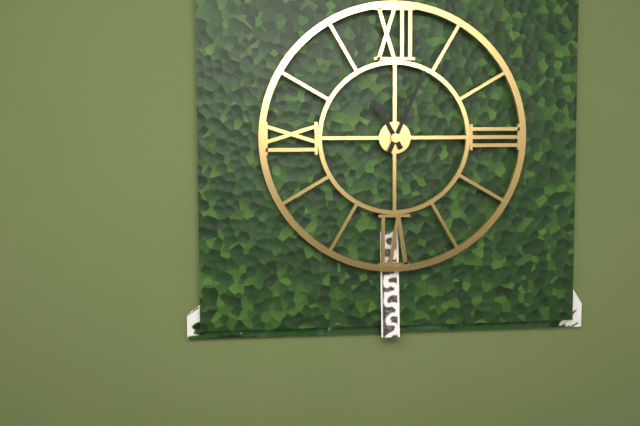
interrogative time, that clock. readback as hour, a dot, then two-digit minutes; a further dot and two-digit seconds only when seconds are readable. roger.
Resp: 11.04
